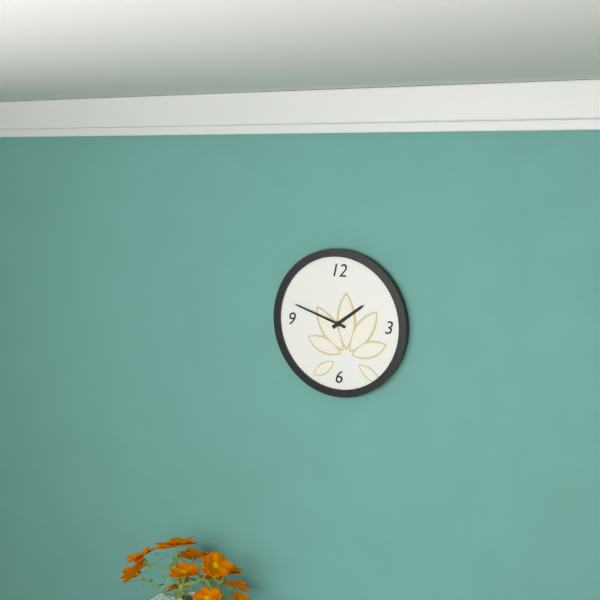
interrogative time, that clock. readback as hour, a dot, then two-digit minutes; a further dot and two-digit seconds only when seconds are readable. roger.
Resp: 1.48
